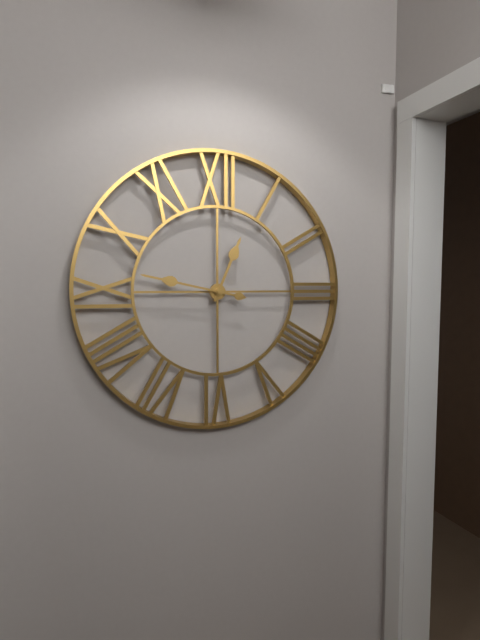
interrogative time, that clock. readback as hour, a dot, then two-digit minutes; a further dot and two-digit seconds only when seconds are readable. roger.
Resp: 12.47
